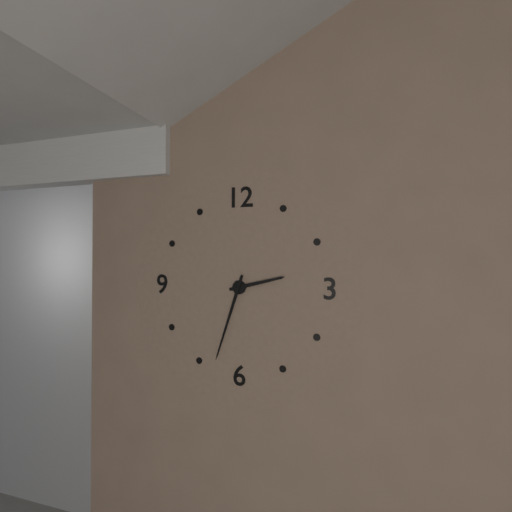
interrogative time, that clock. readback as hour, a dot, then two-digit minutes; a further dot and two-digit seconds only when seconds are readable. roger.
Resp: 2.33
